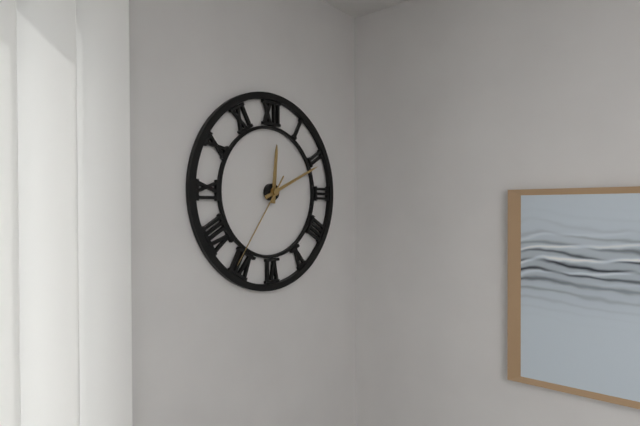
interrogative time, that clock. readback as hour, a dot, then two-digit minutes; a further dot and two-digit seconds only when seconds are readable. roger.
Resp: 12.11.36
